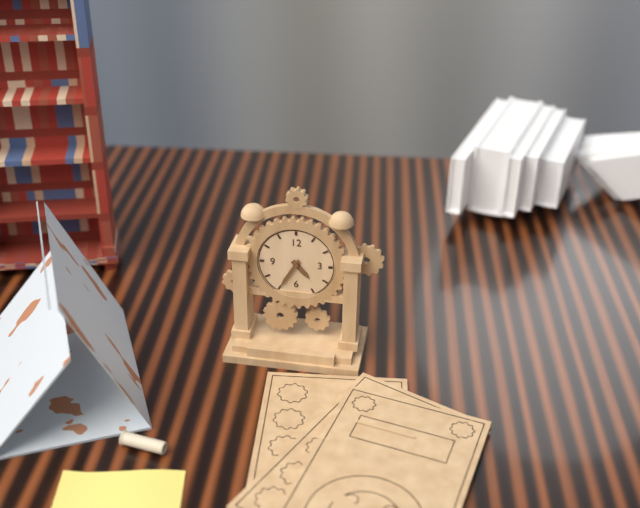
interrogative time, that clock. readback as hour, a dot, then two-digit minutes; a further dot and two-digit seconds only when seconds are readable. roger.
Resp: 4.35
